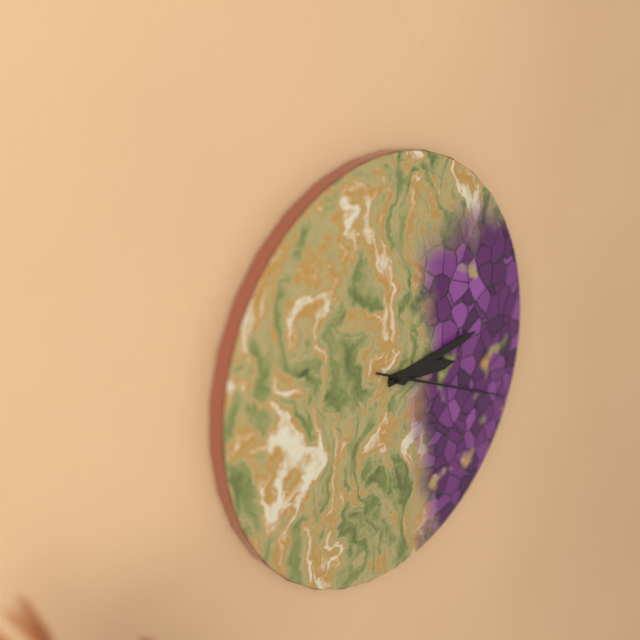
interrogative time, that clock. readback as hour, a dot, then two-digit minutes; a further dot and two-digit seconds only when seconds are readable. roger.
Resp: 3.14.19
